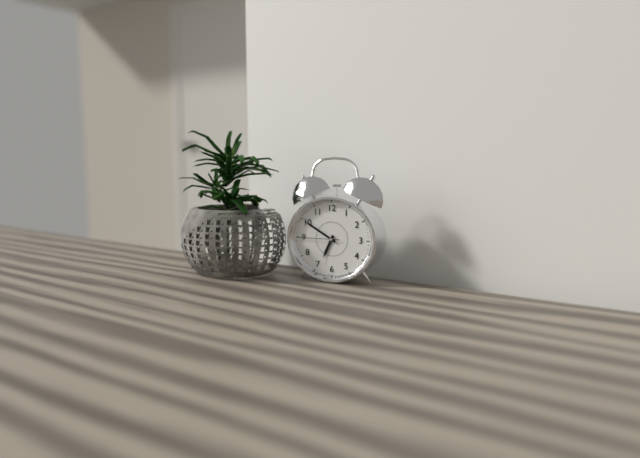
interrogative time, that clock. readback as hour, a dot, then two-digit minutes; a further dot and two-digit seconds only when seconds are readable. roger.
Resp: 6.50
